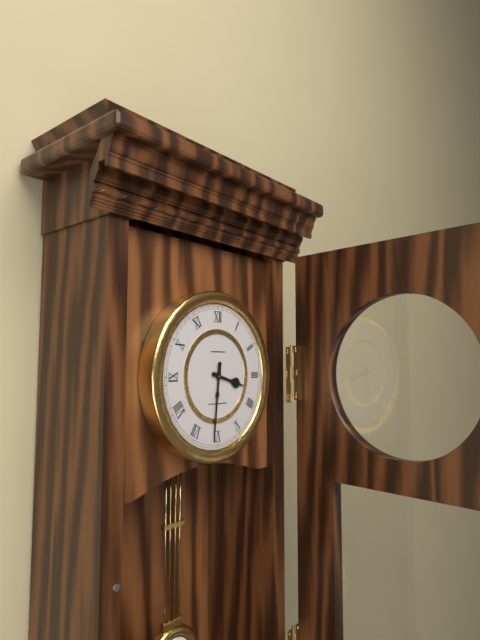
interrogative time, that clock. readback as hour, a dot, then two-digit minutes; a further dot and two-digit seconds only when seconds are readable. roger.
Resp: 3.31
